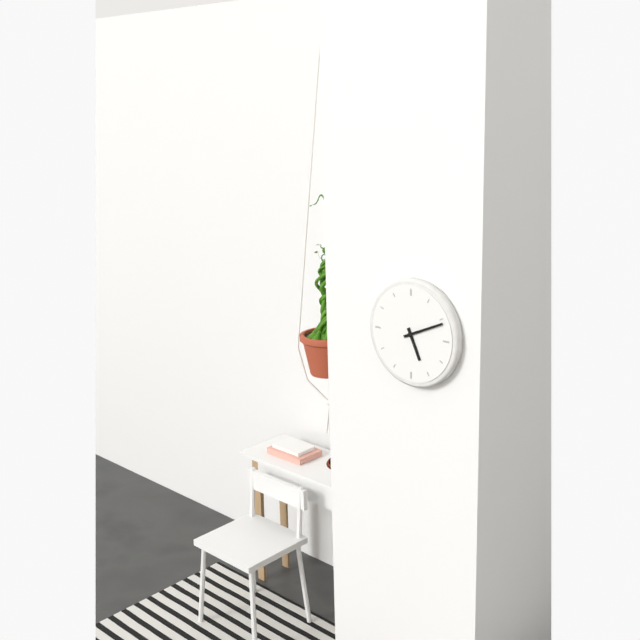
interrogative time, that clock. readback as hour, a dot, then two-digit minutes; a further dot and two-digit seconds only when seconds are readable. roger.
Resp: 5.11
